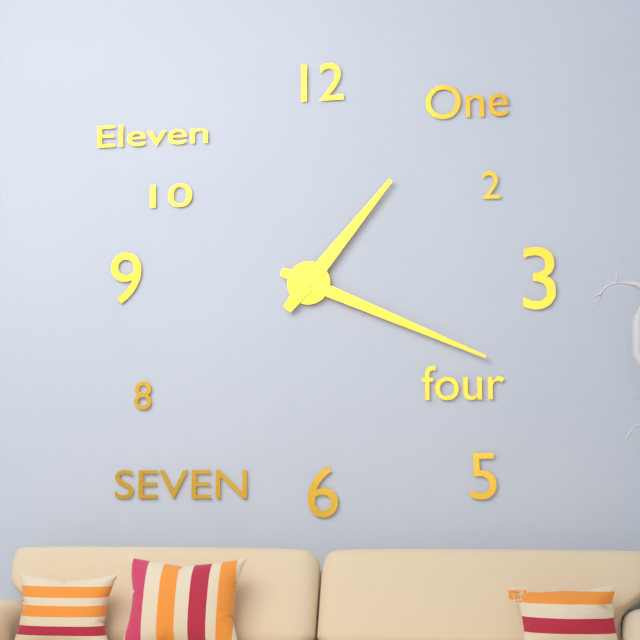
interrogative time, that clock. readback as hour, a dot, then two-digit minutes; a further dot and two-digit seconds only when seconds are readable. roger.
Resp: 1.19
